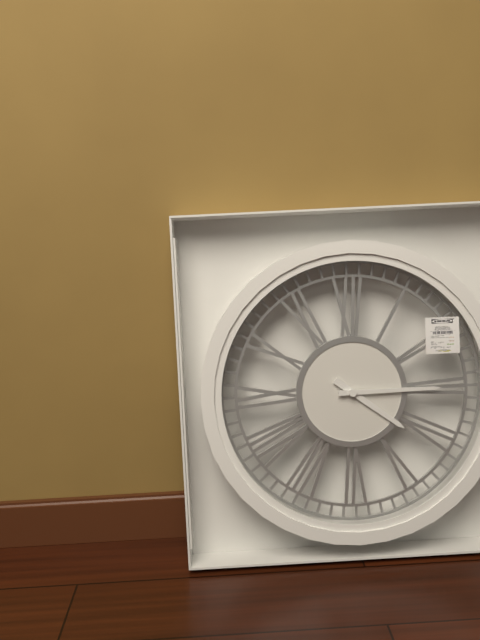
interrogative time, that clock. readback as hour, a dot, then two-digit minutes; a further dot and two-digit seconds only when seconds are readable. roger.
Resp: 4.15
